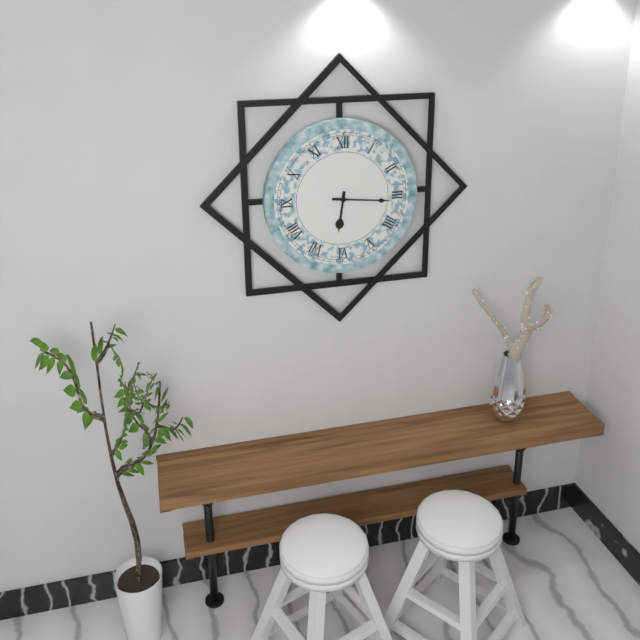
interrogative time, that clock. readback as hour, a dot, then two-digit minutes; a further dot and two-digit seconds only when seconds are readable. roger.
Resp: 6.16
